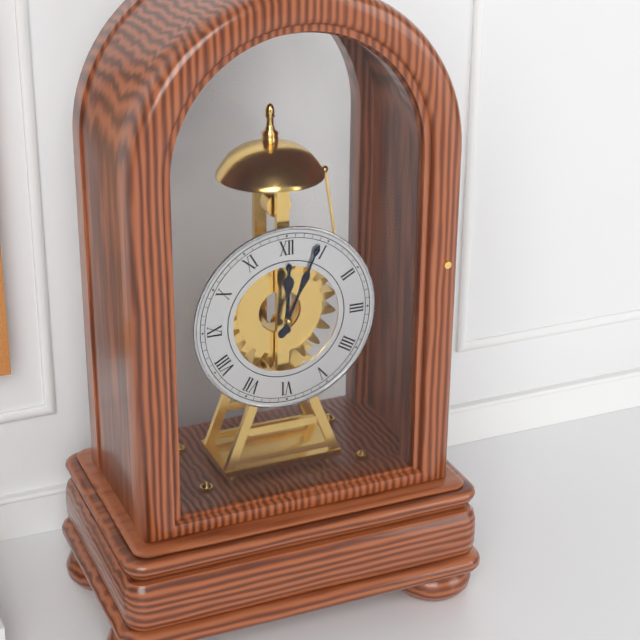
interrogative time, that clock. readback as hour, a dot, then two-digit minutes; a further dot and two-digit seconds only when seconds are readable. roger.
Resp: 12.04
